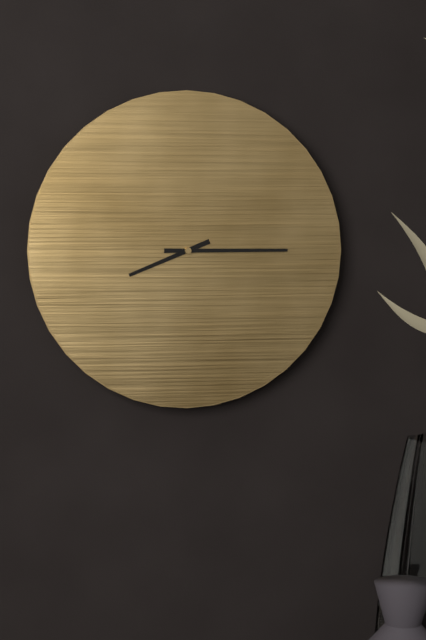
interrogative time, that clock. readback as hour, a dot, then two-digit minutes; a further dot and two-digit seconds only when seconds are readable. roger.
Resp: 8.15
